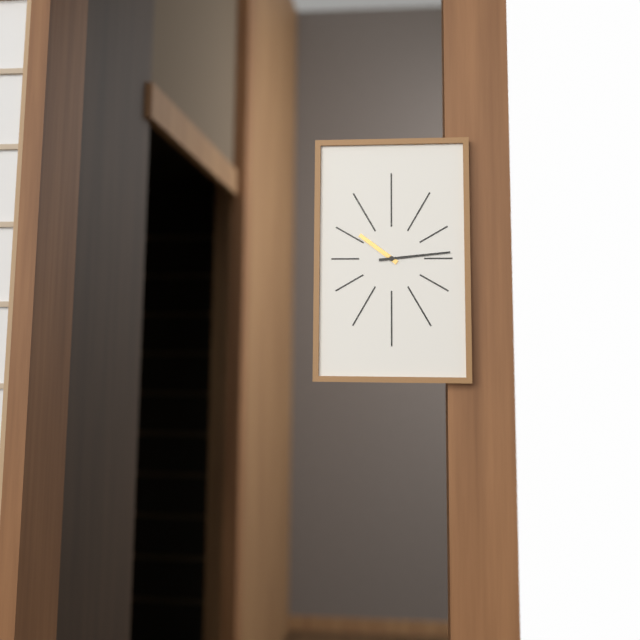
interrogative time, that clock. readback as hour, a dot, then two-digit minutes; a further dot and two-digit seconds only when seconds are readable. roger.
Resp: 10.14
